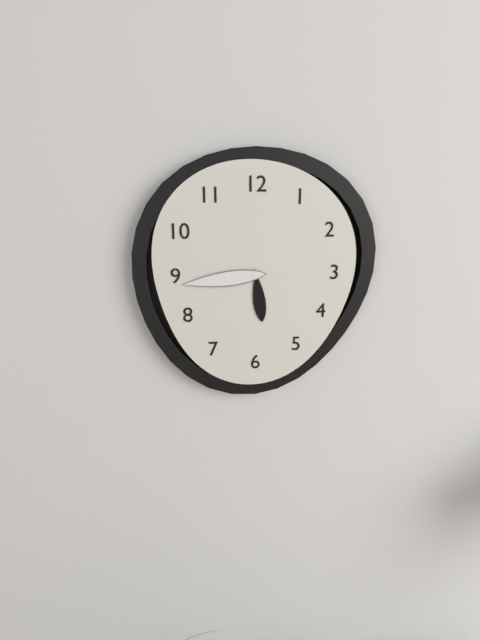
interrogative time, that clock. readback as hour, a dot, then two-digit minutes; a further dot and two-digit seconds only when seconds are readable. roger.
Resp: 5.44
